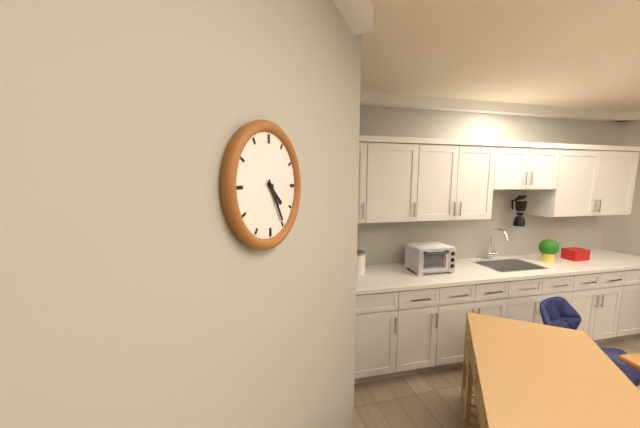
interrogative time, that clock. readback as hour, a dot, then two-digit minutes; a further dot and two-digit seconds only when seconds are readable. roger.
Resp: 4.25
